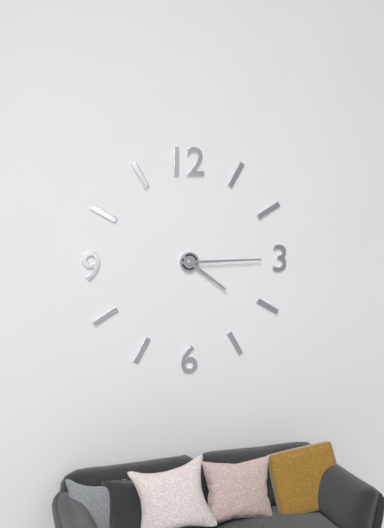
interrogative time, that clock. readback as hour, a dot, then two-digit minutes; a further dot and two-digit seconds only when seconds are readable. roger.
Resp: 4.15
